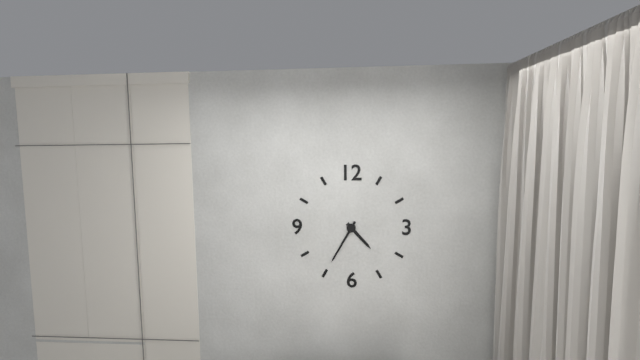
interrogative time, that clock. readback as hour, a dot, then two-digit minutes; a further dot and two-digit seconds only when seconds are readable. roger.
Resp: 4.35
